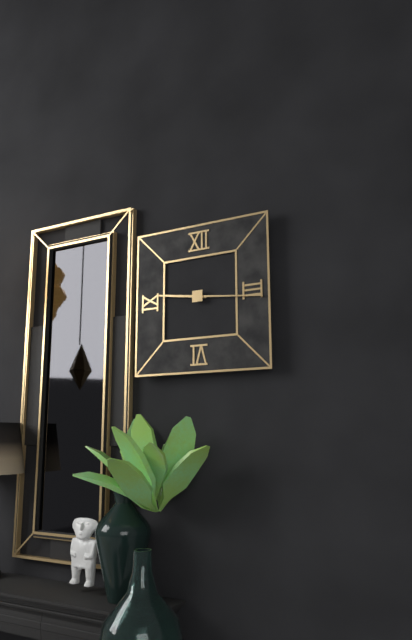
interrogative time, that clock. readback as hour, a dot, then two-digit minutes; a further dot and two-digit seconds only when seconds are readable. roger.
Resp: 9.16
